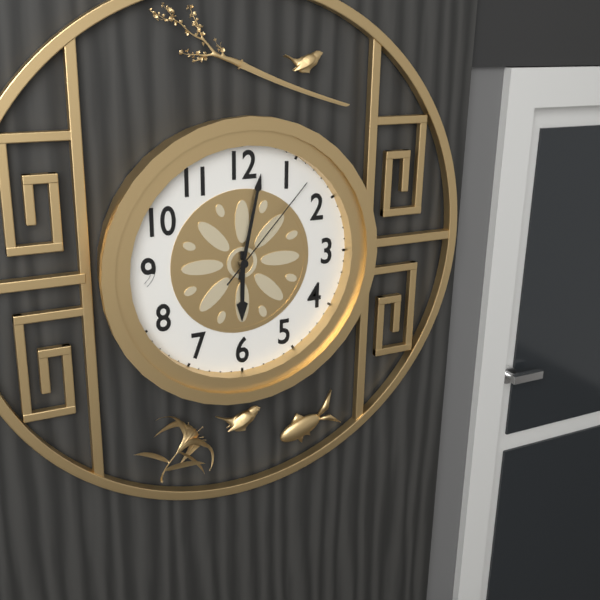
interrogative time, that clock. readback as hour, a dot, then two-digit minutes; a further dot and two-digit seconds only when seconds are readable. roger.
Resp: 6.02.07
